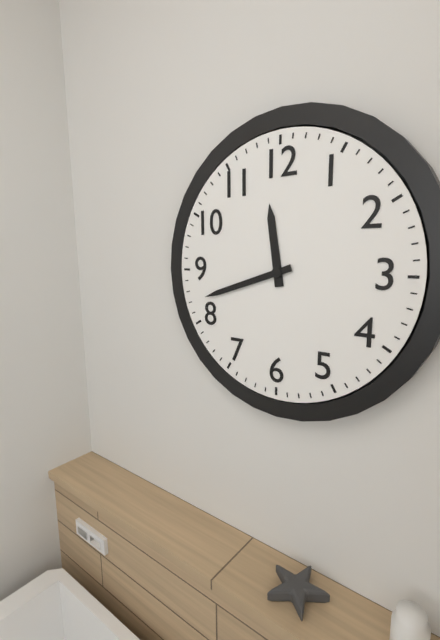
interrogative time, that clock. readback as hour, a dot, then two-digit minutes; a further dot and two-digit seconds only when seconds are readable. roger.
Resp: 11.42
